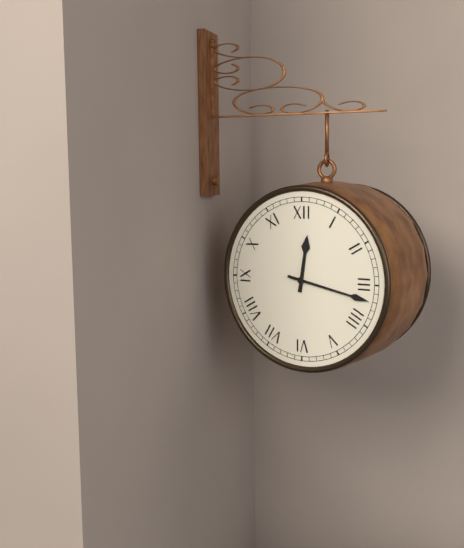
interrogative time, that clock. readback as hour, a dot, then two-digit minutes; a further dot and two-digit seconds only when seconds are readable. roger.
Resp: 12.17
